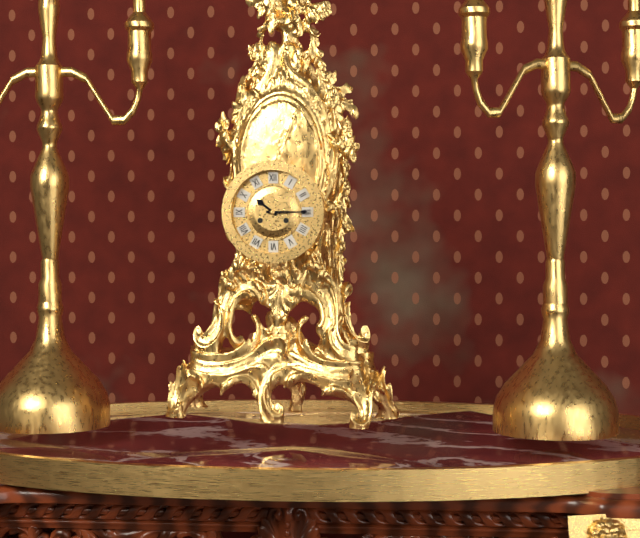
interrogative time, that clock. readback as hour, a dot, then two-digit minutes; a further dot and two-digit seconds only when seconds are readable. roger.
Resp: 10.15
